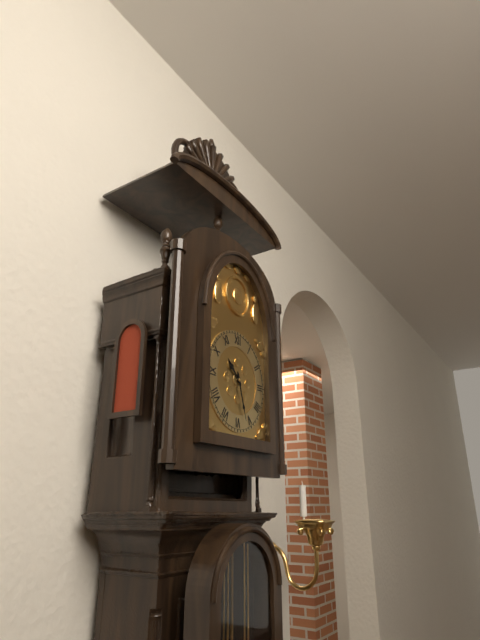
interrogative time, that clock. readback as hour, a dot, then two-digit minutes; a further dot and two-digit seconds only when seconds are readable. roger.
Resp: 10.27
